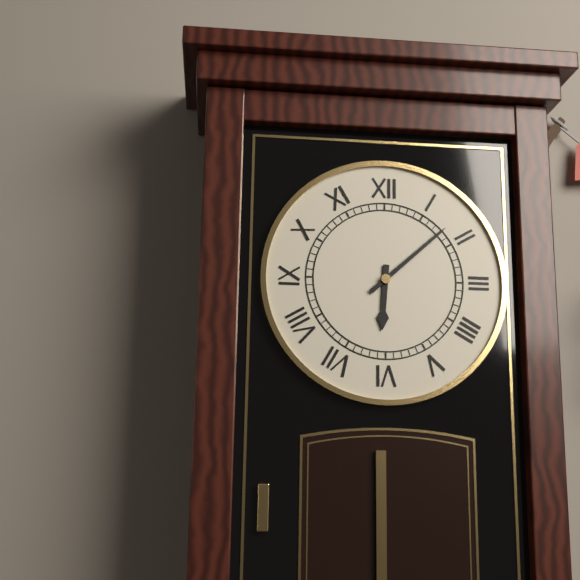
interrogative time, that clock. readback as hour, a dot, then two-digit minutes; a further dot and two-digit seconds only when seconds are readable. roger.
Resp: 6.08
